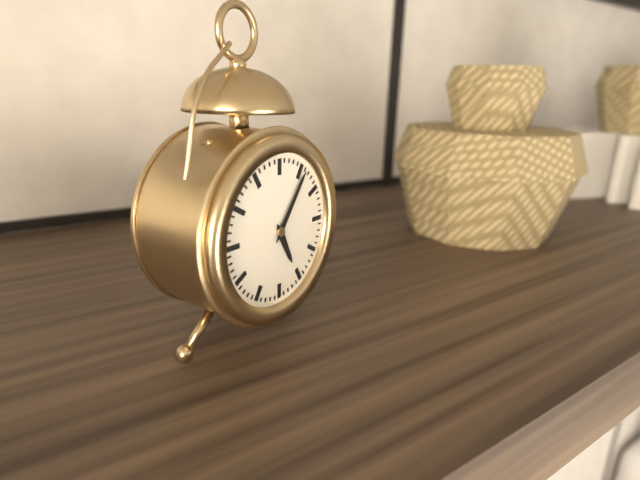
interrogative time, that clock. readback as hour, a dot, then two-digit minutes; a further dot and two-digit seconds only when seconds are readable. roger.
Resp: 5.06
